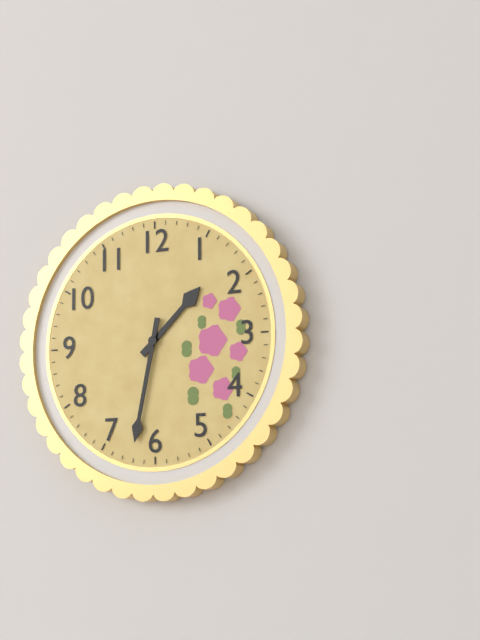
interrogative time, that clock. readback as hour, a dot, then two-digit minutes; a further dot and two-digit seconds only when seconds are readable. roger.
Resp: 1.32
